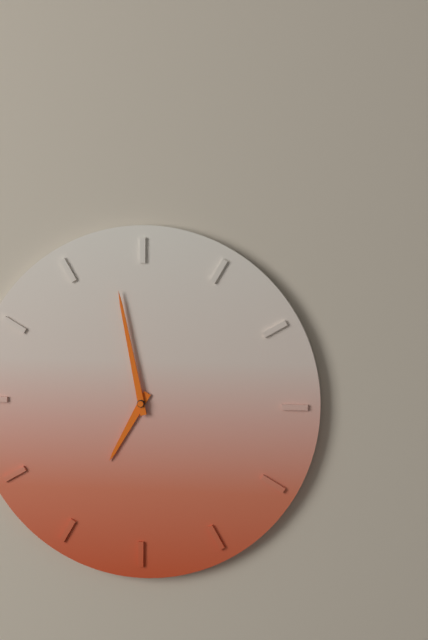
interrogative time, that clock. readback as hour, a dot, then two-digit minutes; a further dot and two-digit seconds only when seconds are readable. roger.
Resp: 6.58
